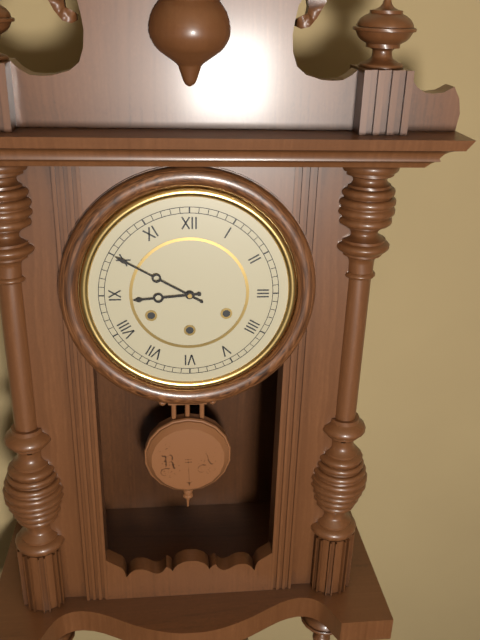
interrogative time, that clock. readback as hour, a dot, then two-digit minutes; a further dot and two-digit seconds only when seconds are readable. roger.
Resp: 8.50
